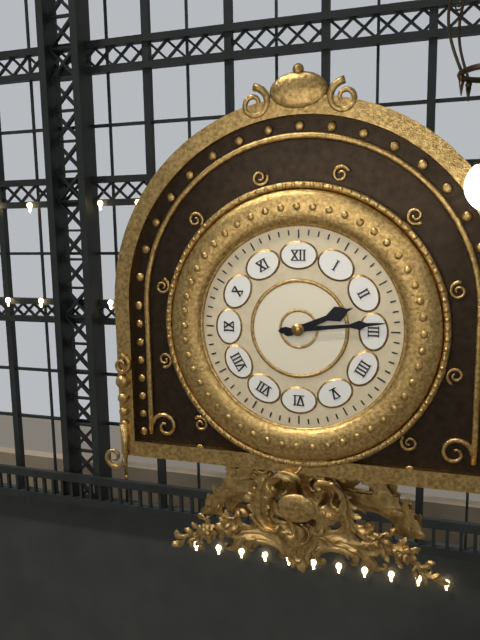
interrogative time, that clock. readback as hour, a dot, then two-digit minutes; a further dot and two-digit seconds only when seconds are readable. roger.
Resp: 2.14
